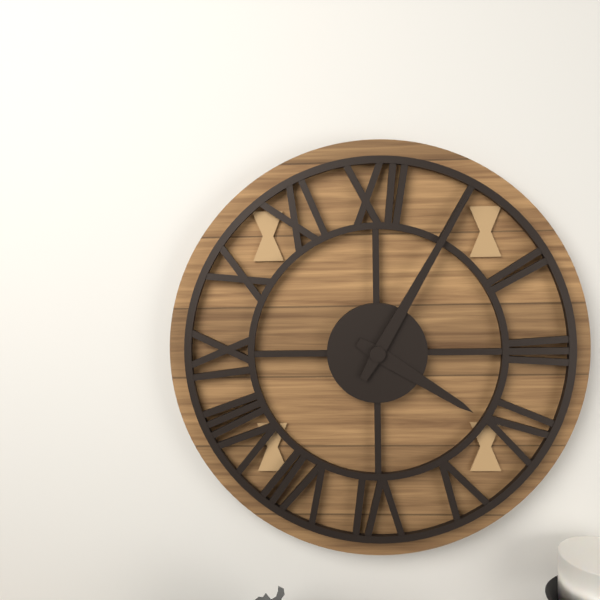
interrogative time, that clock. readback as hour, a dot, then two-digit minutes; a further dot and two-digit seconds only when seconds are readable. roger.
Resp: 4.05
